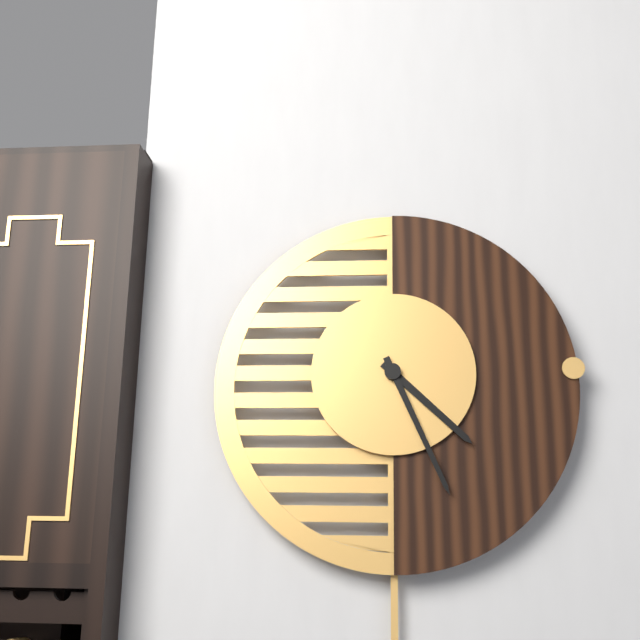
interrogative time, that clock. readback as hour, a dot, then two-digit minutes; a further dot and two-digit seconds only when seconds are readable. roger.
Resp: 4.26
